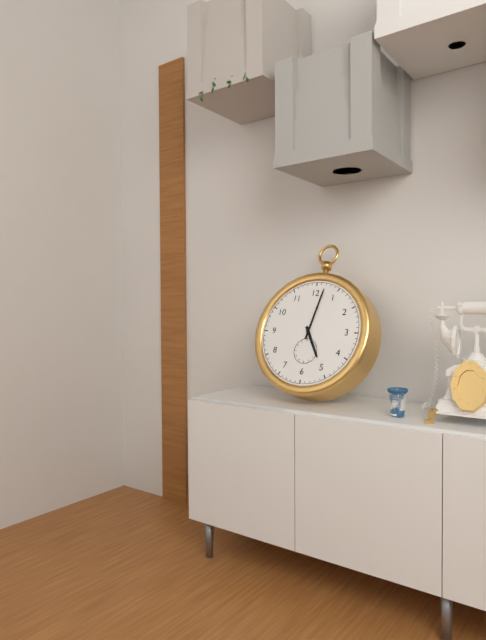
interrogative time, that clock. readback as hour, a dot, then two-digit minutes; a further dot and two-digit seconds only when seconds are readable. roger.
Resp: 5.02
